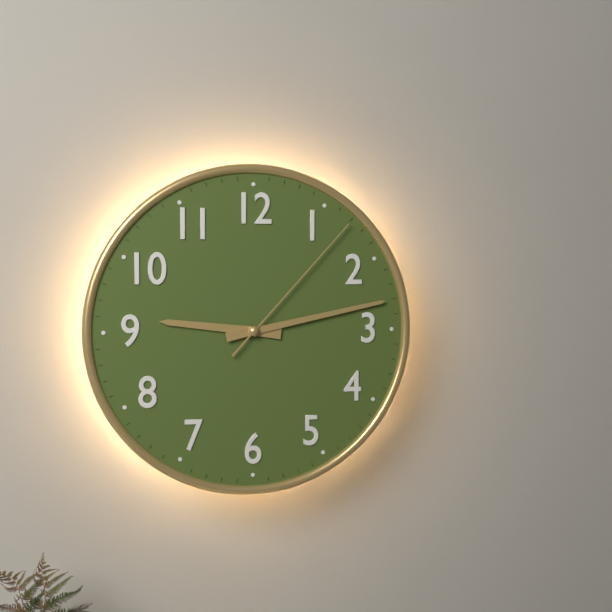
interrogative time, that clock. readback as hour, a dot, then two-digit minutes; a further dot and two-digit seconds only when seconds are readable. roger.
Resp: 9.13.07
